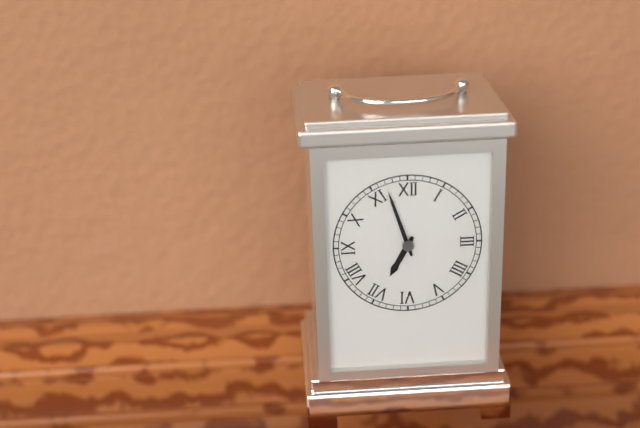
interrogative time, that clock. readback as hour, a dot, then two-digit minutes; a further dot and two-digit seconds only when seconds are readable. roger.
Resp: 6.57
